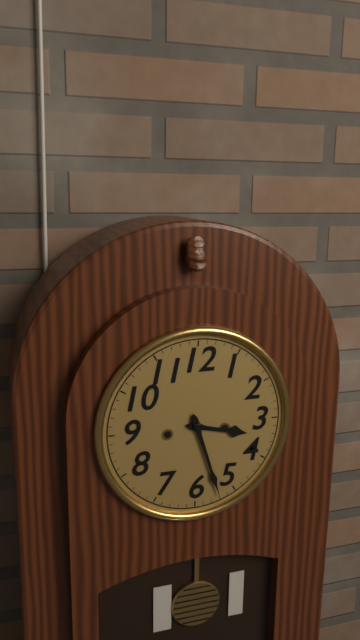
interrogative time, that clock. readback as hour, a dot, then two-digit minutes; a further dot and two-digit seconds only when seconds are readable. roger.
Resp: 3.27
